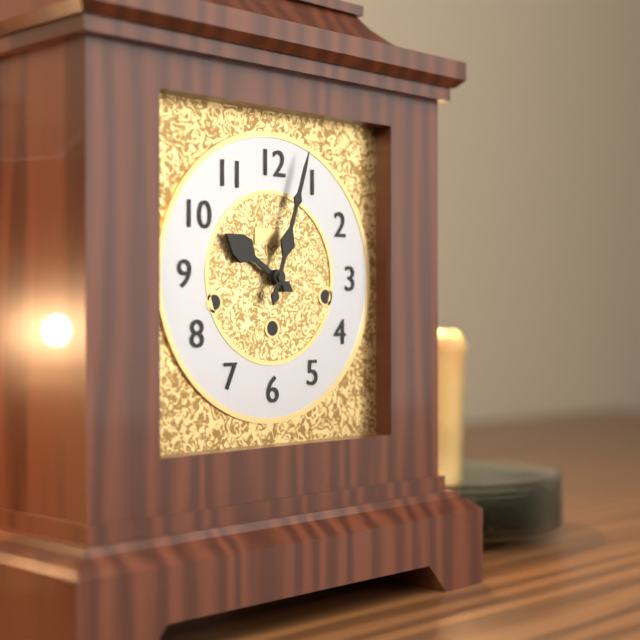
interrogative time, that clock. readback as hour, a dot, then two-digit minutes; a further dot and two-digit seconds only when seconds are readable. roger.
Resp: 10.03
